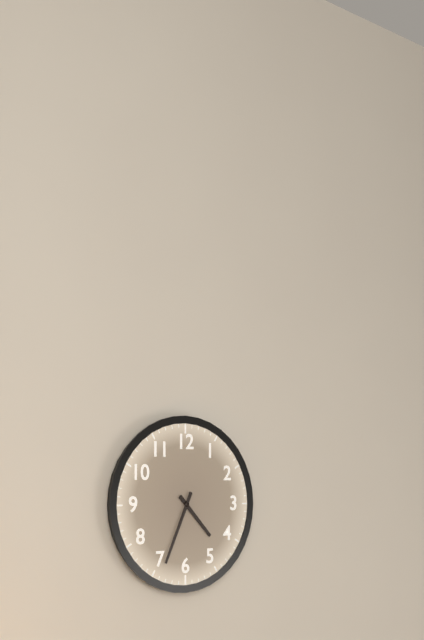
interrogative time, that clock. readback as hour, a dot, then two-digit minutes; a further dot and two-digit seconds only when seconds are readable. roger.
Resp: 4.34
